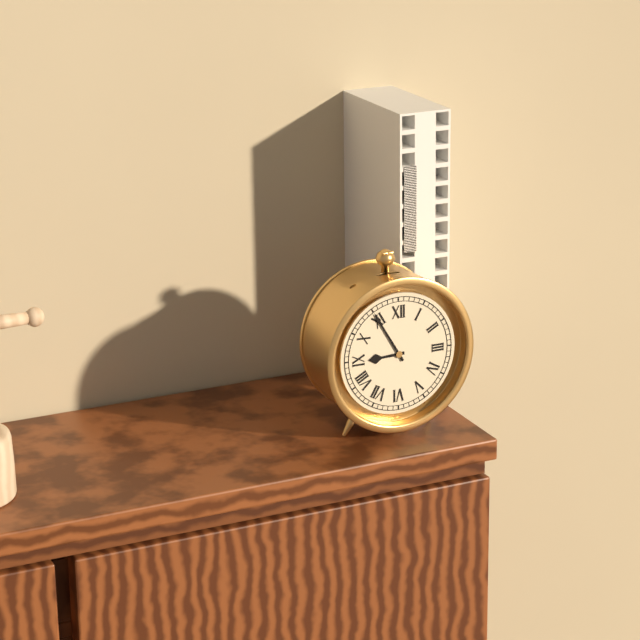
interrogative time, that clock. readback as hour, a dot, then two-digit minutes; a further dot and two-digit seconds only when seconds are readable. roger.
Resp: 8.55
